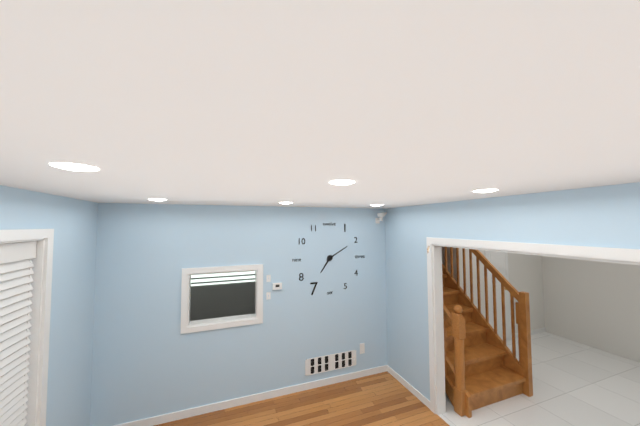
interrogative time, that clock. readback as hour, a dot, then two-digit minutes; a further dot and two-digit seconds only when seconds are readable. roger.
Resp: 7.10
